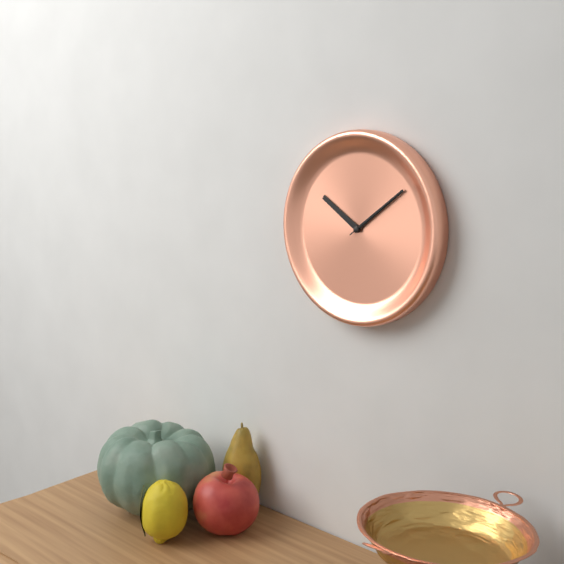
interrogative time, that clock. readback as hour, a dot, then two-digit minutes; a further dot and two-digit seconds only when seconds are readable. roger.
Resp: 10.09.09
